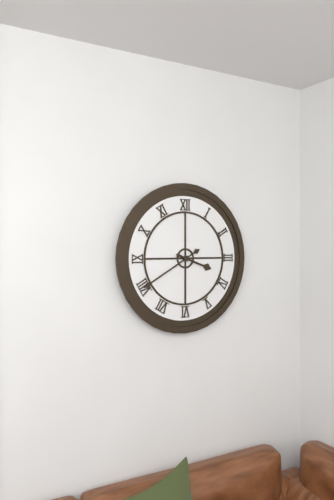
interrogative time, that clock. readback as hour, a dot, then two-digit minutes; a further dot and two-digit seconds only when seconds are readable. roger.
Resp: 3.40
